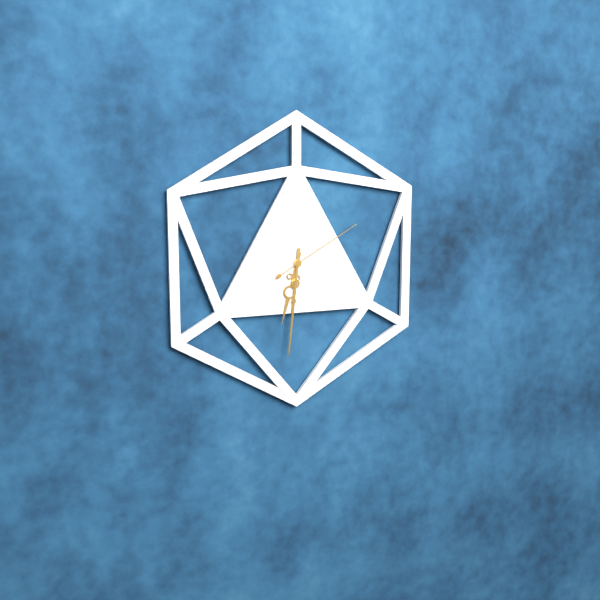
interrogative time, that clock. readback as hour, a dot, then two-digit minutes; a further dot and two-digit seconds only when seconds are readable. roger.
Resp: 6.31.10
